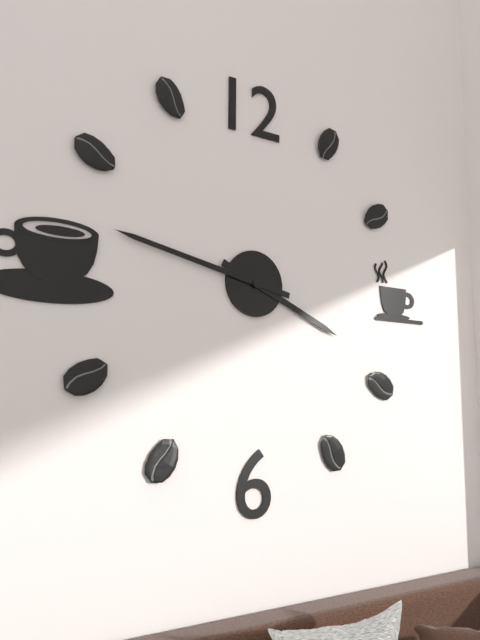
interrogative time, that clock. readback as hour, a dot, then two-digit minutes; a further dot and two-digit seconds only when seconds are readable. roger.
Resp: 3.47
